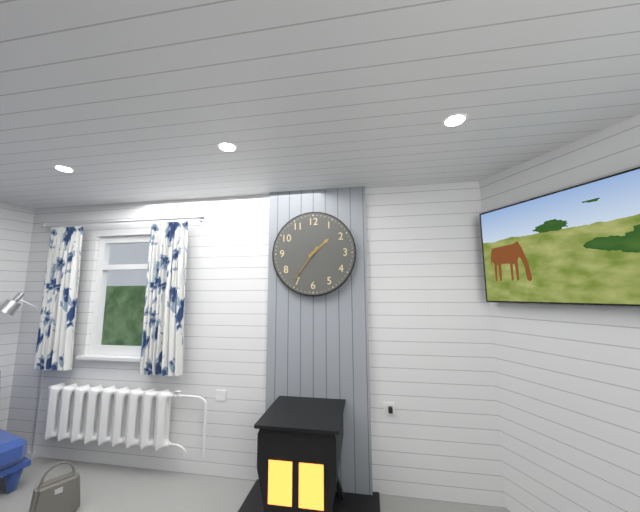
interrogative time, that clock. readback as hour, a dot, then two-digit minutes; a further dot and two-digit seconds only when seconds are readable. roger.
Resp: 1.36
